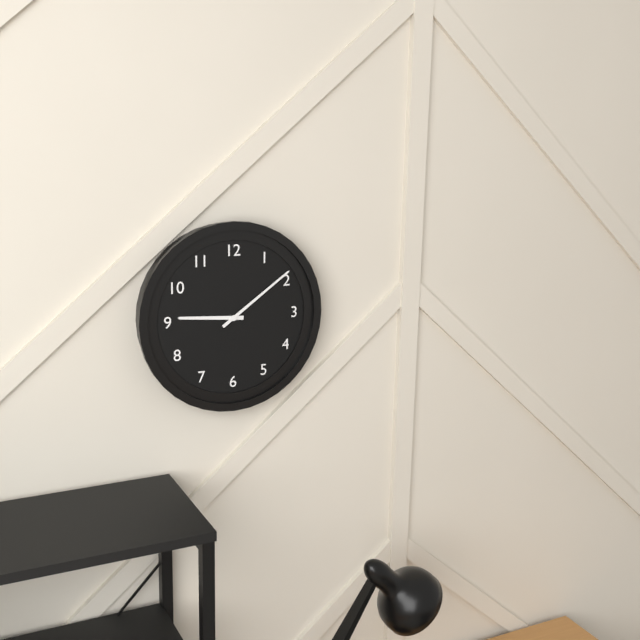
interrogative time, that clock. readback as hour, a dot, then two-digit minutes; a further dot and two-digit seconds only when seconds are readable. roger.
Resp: 9.09
